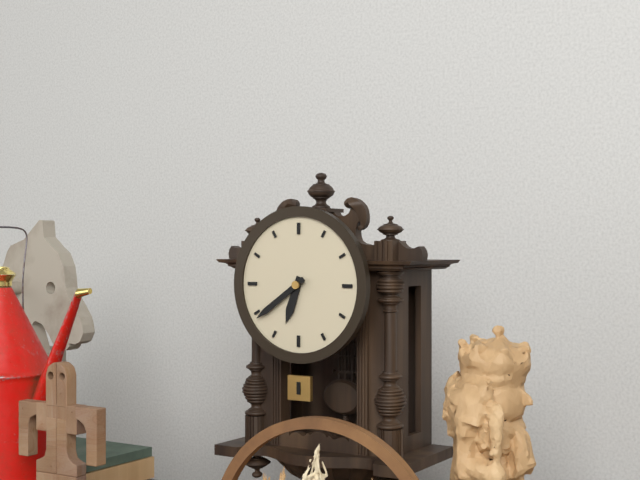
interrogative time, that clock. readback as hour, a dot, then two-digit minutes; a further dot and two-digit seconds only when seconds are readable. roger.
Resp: 6.39
